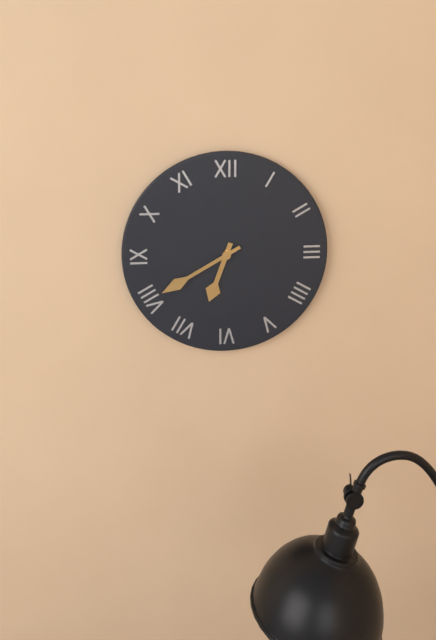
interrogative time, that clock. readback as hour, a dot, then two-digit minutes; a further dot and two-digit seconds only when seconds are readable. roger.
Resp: 6.40
